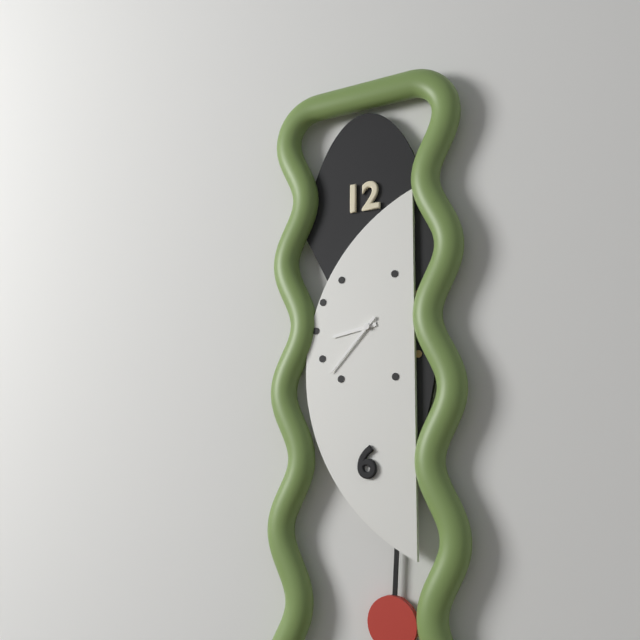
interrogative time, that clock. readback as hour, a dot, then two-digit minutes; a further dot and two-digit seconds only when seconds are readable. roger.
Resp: 8.37
